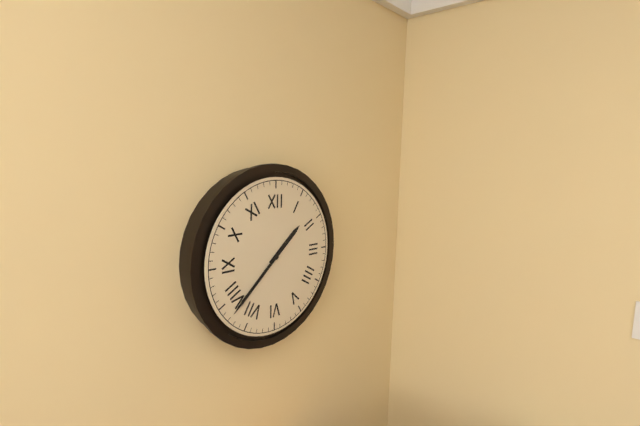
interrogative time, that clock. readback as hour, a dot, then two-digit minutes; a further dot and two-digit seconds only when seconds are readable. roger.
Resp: 1.38
